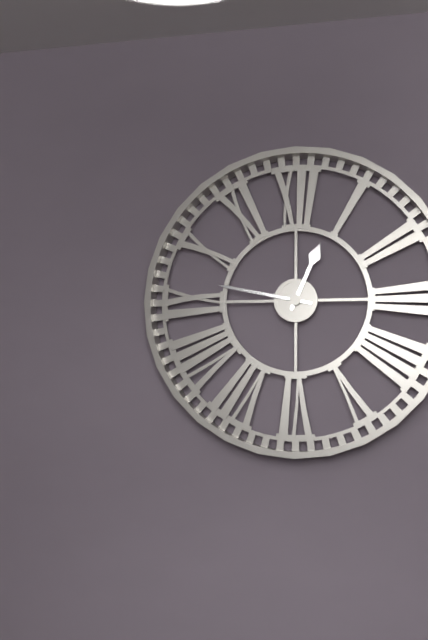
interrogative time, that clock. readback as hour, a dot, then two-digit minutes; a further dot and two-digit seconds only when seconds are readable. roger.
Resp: 12.47
